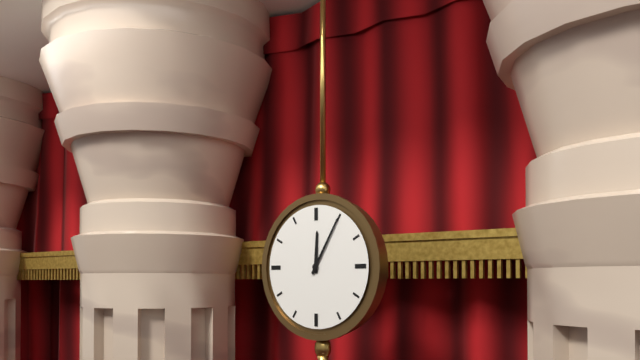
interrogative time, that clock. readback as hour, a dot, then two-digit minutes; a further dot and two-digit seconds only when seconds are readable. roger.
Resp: 12.05
